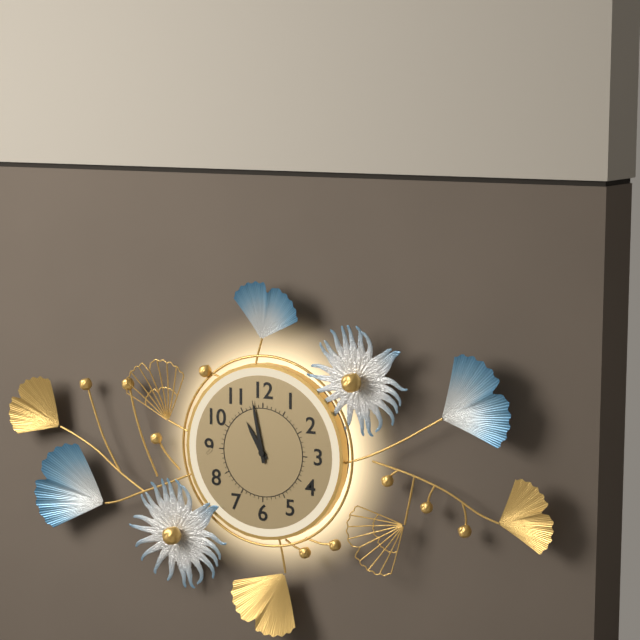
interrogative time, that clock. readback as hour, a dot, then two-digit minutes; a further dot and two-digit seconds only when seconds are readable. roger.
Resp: 10.58
